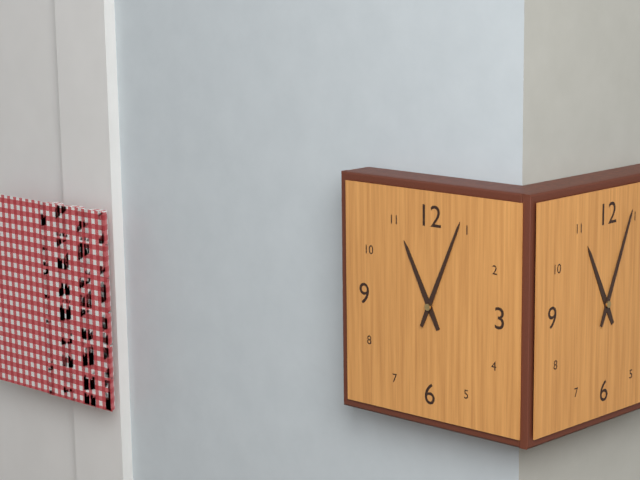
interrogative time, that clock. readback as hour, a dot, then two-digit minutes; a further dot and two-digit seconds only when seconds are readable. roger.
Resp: 11.04
